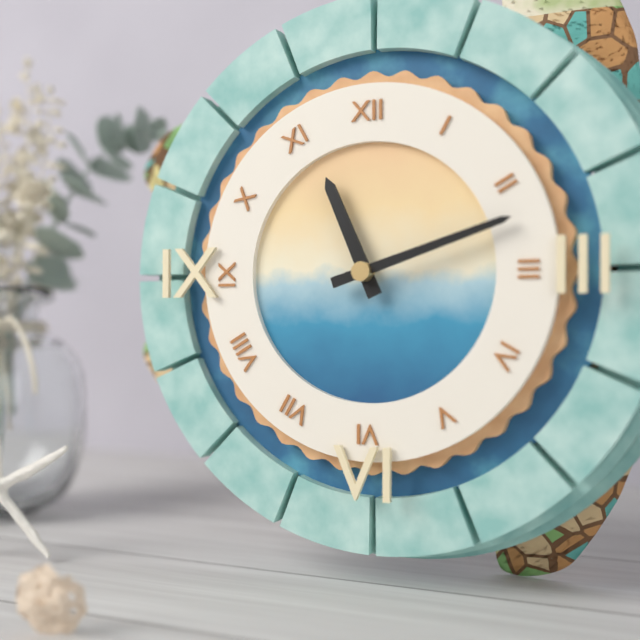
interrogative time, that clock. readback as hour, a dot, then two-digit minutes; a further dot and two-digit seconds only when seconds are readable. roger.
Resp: 11.12
